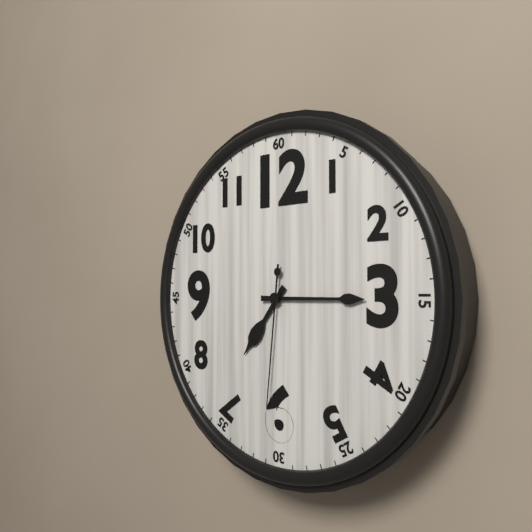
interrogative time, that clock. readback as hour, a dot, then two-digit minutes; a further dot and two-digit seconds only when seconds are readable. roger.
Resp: 7.15.31
